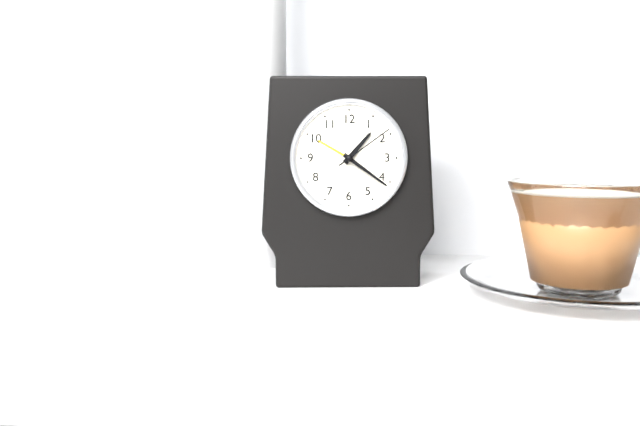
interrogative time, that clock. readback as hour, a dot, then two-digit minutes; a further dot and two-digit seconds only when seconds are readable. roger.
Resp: 1.21.09
